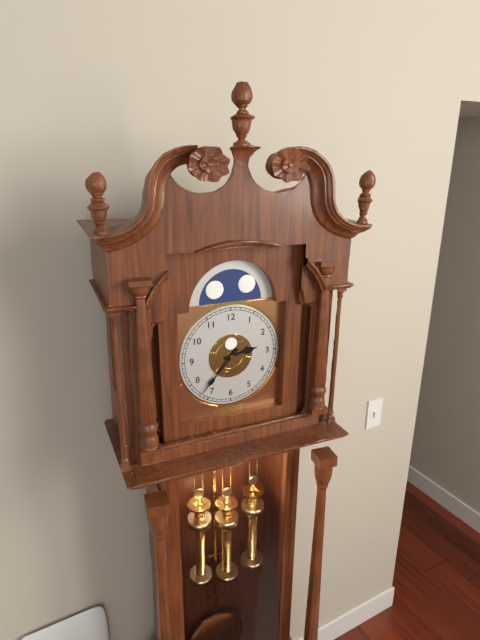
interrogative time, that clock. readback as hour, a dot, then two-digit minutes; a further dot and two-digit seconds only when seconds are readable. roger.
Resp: 2.37
